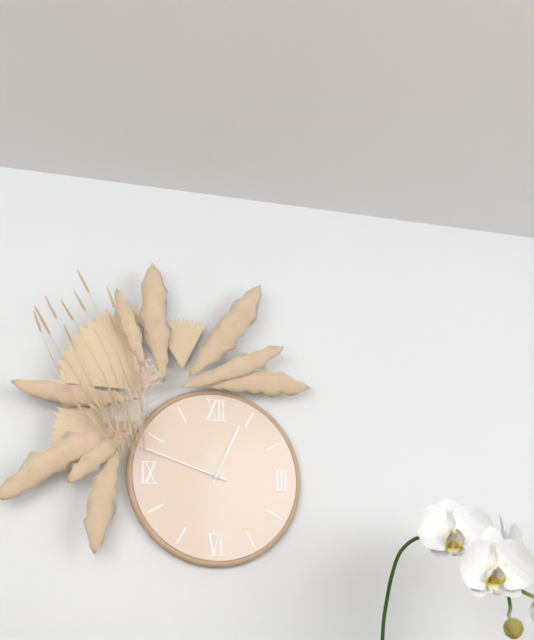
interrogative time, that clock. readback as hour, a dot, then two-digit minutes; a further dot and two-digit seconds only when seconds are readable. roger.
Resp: 12.48
